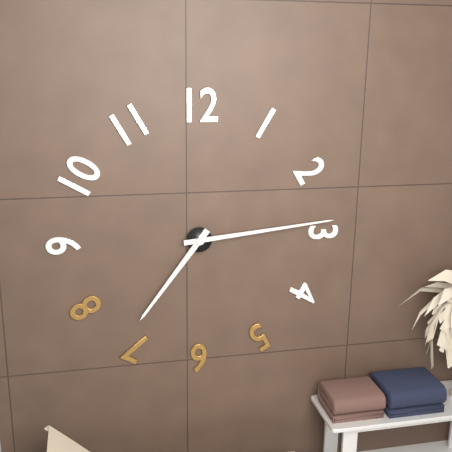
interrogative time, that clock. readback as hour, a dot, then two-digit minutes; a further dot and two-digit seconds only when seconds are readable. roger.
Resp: 7.14
